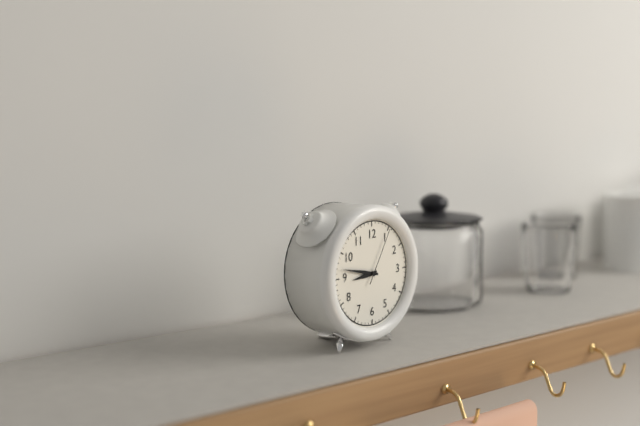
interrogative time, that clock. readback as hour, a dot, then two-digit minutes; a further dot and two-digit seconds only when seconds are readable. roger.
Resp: 8.47.05
